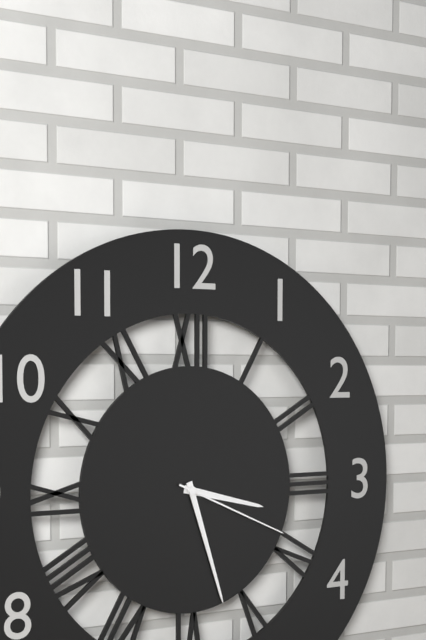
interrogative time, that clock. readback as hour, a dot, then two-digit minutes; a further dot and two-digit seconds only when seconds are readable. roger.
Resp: 3.27.19
